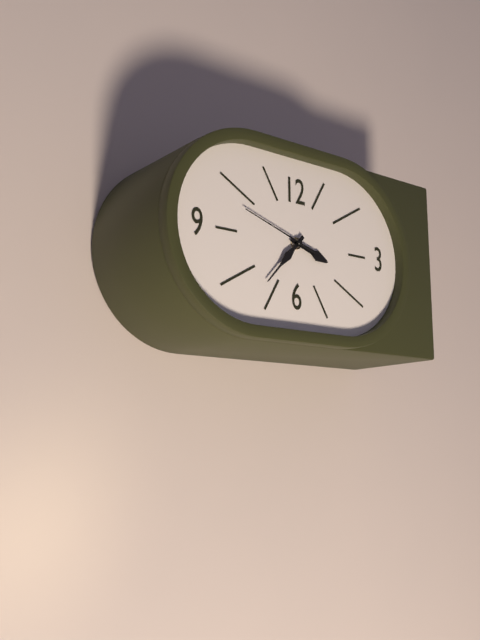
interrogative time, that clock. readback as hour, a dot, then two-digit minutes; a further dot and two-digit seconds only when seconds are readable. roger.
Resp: 3.37.48
